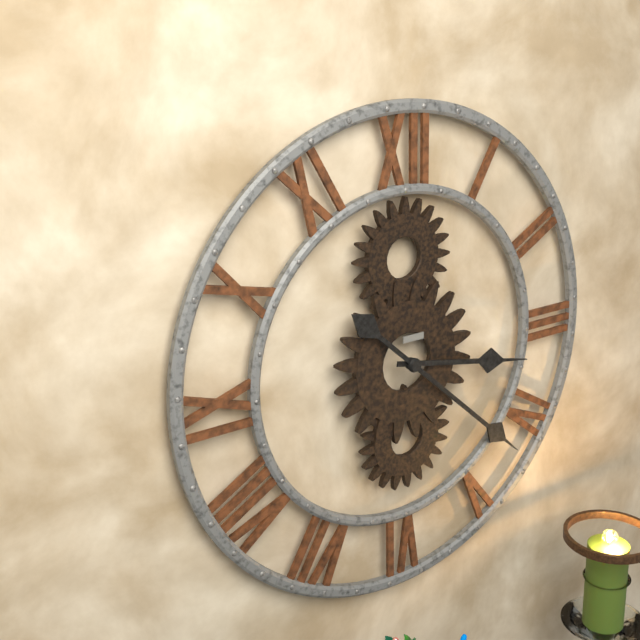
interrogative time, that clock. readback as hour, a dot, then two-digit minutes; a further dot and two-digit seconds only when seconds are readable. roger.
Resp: 3.22
